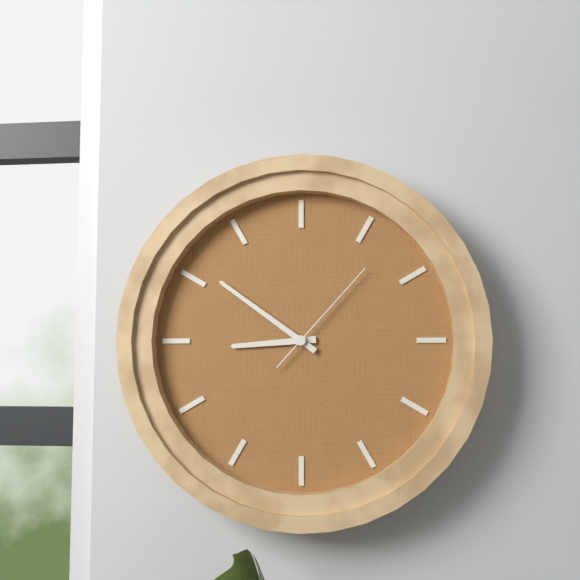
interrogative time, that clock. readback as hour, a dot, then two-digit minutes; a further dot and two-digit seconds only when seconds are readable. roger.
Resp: 8.51.07
